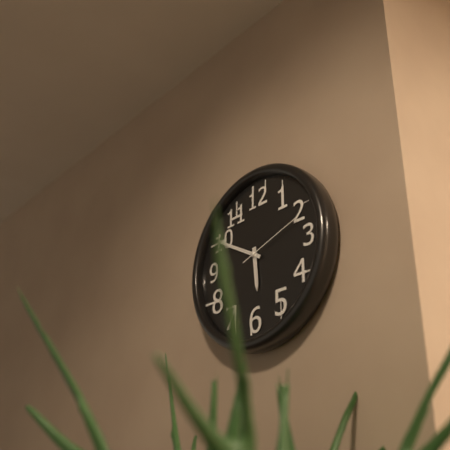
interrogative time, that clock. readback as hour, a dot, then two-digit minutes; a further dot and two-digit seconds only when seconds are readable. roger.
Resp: 5.50.12
